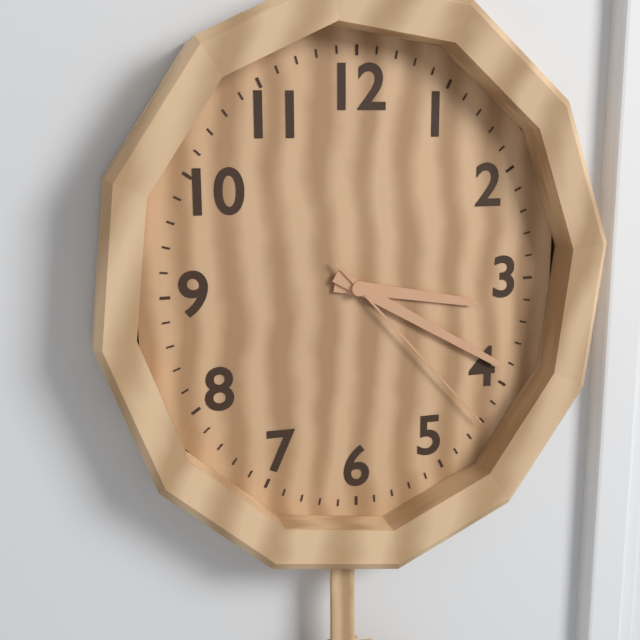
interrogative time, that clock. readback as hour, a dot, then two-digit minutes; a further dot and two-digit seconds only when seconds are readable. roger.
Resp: 3.20.23
